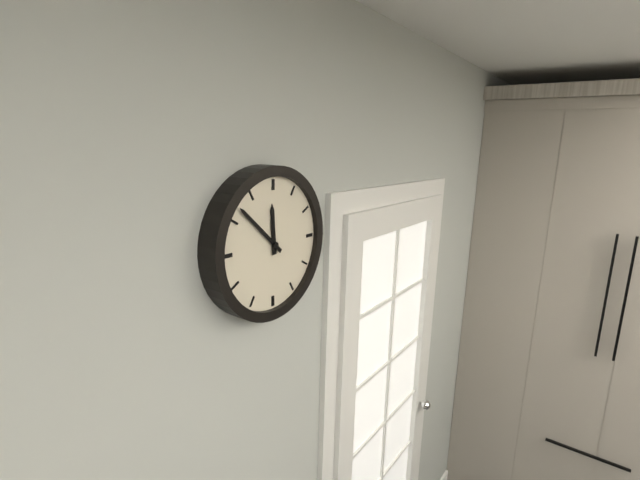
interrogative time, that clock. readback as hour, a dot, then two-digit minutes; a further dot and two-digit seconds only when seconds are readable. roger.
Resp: 11.52
